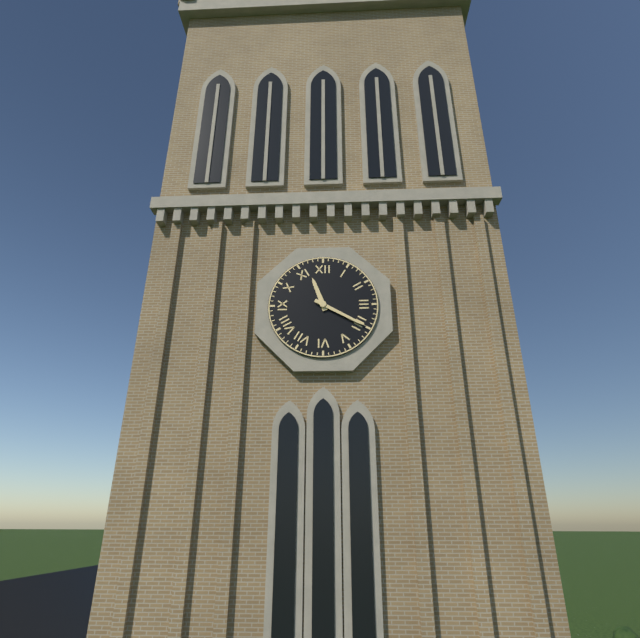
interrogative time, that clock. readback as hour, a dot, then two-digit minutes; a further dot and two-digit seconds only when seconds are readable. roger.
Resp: 11.20
